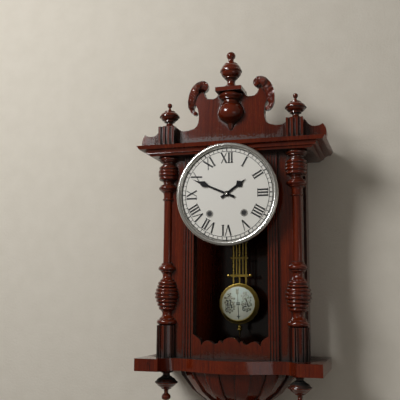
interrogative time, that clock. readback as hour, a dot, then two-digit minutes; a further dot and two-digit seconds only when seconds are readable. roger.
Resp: 1.49
